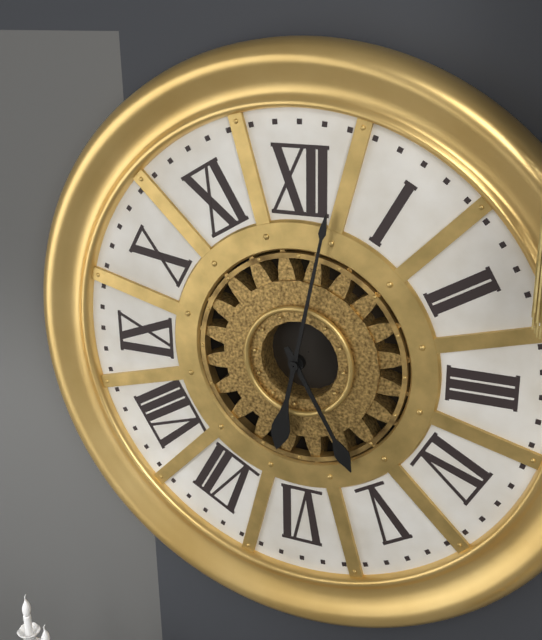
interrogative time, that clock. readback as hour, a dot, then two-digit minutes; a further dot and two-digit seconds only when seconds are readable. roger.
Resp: 5.02
